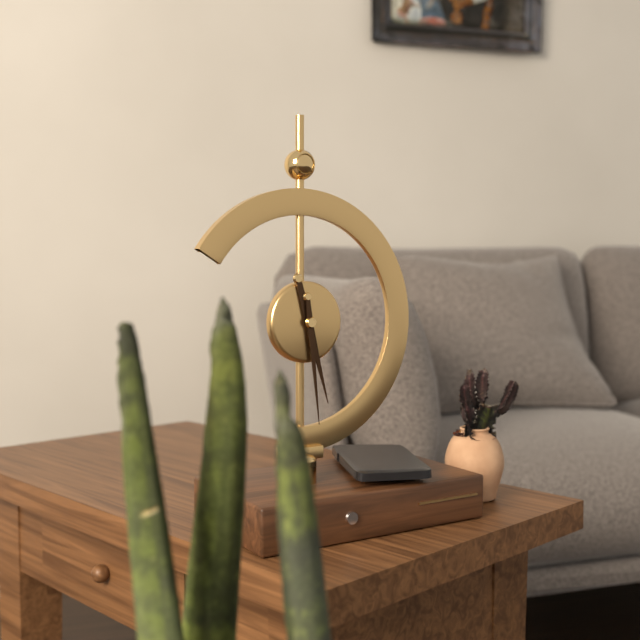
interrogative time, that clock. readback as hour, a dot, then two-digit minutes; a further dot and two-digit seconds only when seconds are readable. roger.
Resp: 5.29
